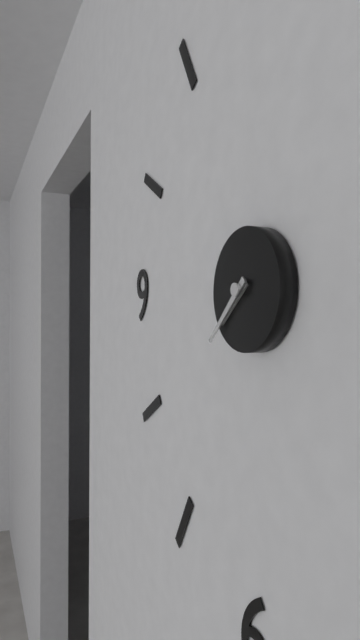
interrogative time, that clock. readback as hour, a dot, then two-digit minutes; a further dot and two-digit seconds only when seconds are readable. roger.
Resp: 7.38
